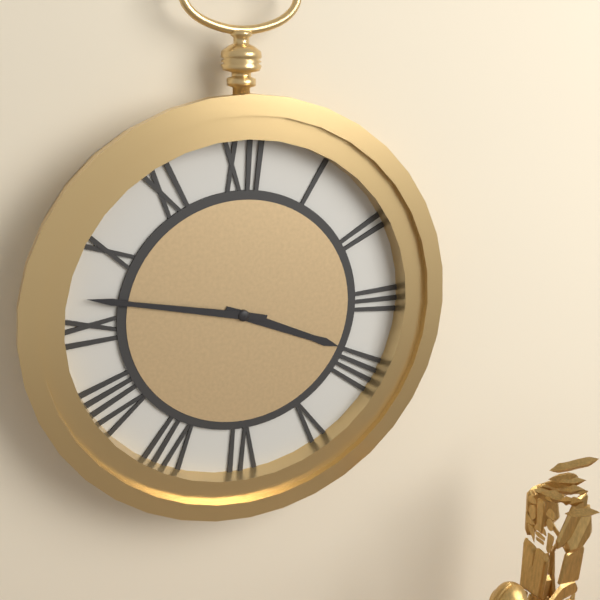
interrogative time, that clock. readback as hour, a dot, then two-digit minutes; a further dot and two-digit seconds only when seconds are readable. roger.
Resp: 3.47
